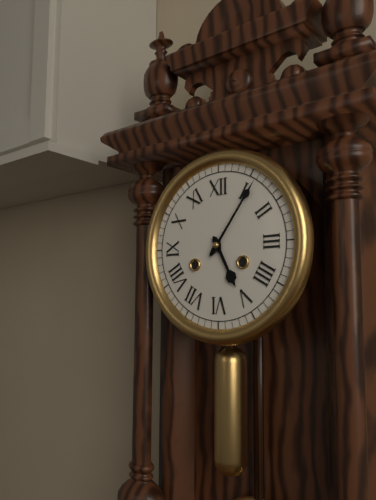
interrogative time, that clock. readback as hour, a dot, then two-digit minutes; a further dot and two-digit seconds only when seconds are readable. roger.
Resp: 5.06
